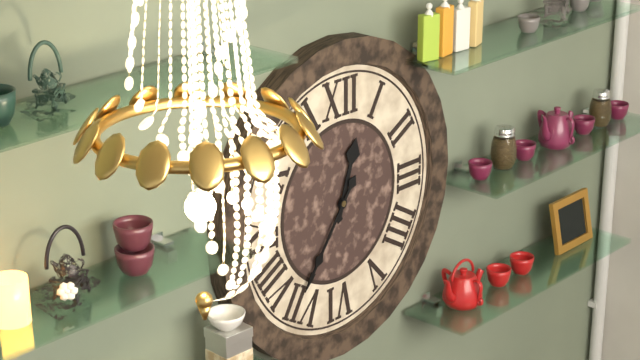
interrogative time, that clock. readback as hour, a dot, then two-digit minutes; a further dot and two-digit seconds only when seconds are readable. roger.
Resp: 12.36
